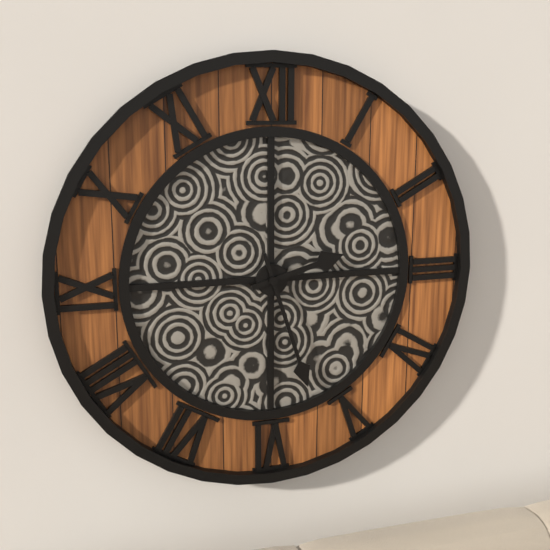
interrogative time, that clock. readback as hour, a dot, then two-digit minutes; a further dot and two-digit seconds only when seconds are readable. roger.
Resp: 2.27
